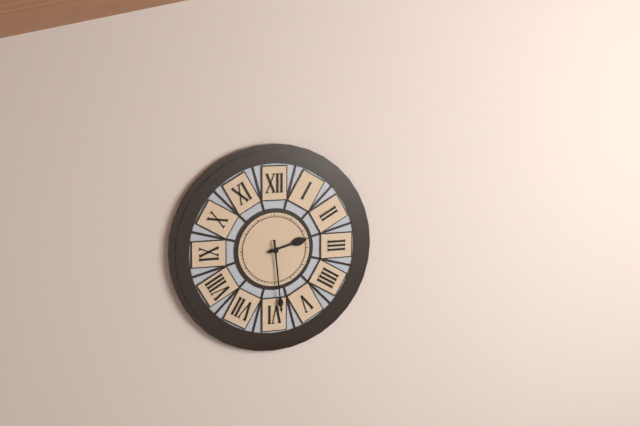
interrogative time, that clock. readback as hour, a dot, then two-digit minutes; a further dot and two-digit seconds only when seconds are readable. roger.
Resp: 2.29
